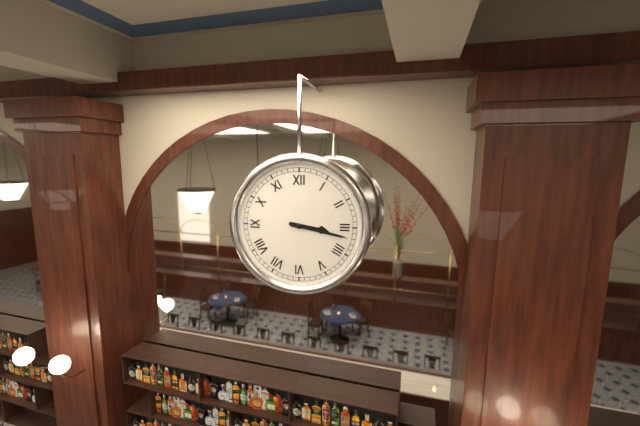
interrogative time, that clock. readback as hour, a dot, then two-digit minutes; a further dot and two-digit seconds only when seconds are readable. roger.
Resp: 3.17
